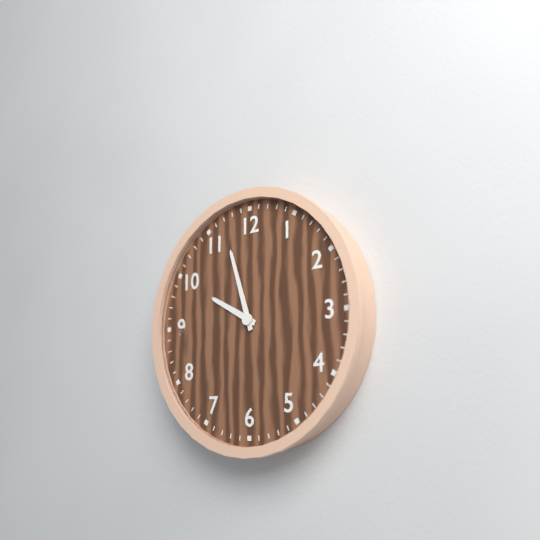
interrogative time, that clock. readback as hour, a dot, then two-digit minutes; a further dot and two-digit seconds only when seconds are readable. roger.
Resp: 9.57
